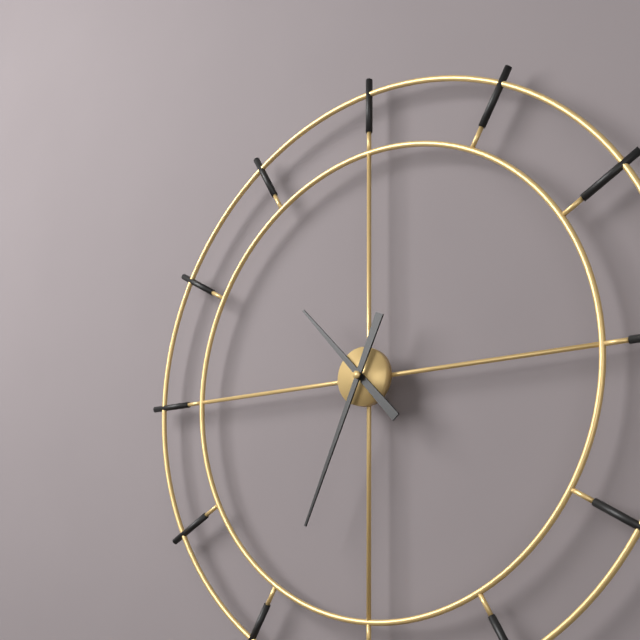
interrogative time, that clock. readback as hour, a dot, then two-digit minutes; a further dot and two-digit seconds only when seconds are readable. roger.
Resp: 10.34
